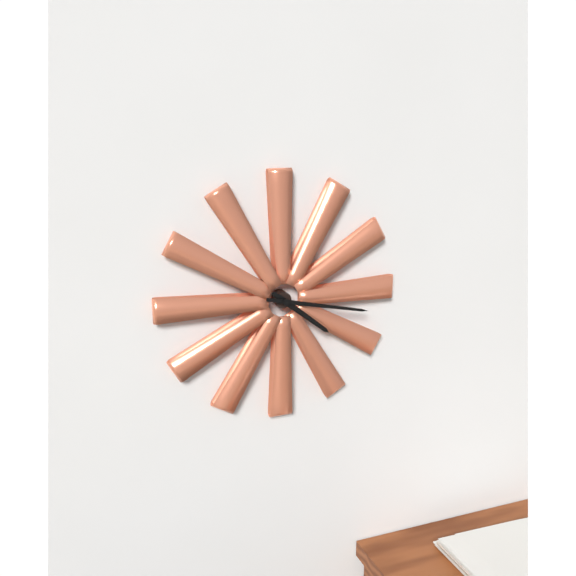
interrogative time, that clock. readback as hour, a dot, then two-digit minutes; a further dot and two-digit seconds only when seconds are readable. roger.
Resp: 4.17
